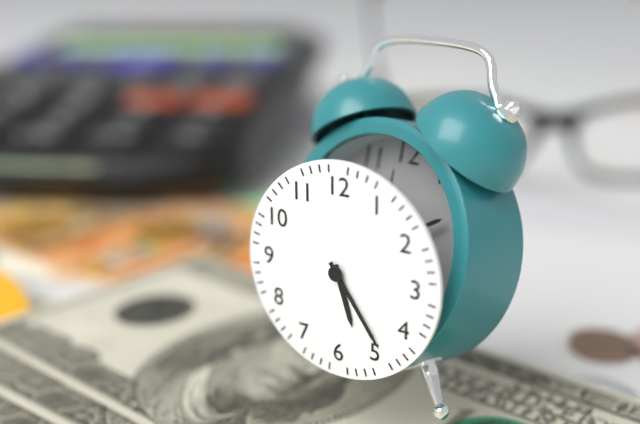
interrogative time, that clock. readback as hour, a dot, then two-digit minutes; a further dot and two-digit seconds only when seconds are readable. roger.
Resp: 5.24
